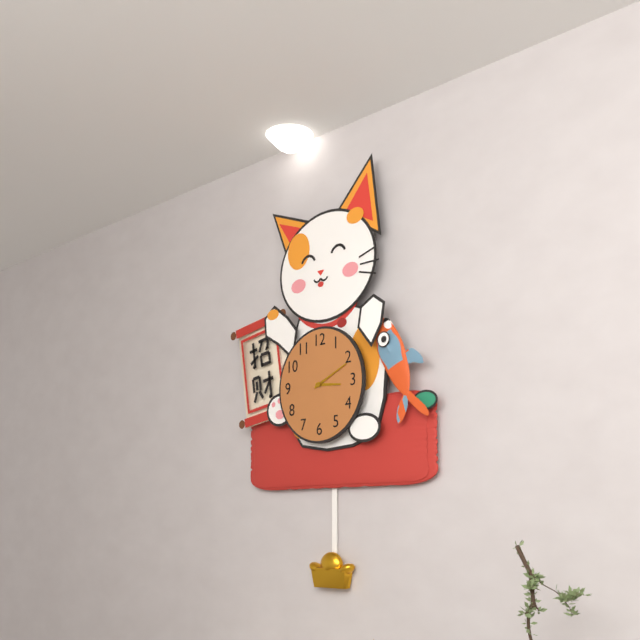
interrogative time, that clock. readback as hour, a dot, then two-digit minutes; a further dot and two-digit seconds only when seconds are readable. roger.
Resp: 3.11
